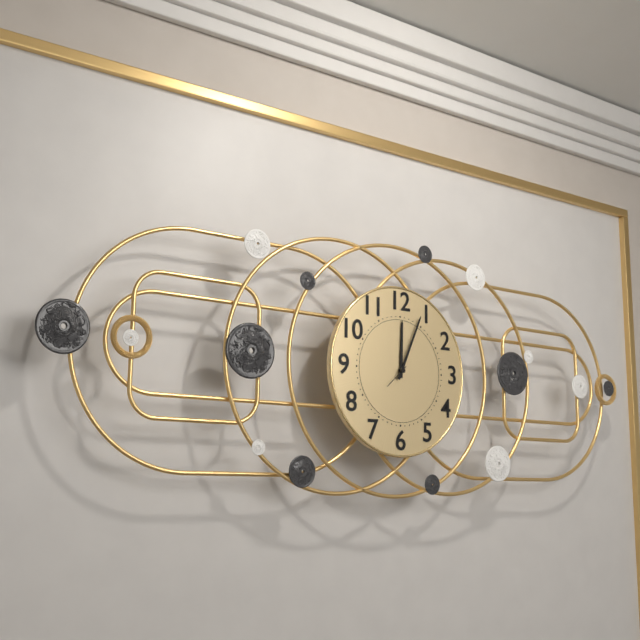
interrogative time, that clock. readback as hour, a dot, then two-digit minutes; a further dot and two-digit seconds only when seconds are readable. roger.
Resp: 12.04
